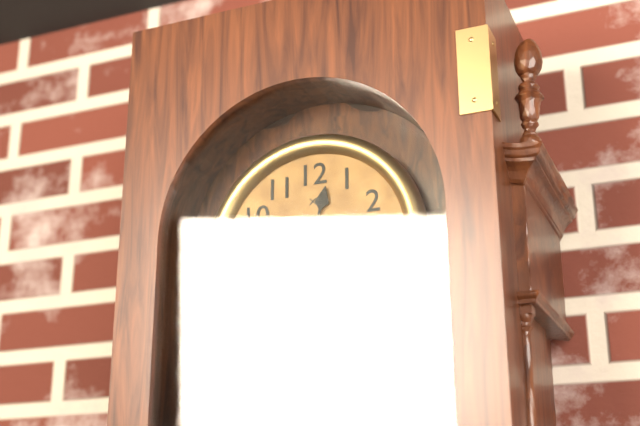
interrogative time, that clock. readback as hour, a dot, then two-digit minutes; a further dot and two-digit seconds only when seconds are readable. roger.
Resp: 12.29
